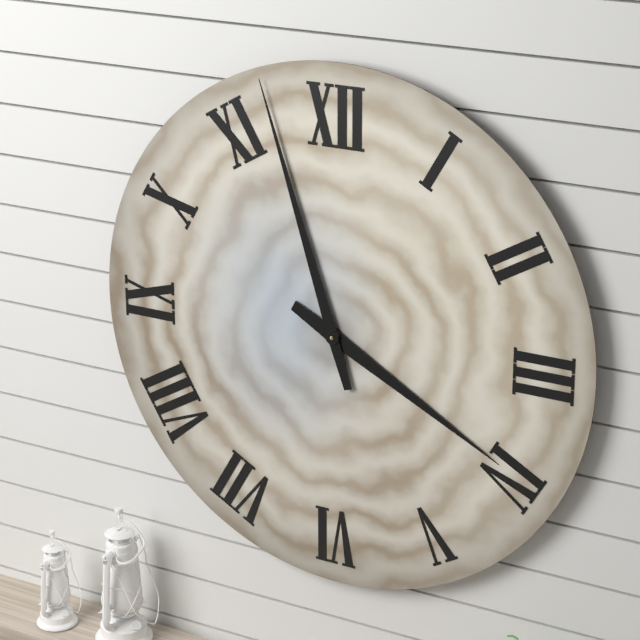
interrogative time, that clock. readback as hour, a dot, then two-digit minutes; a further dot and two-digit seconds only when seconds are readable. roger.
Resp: 3.57
